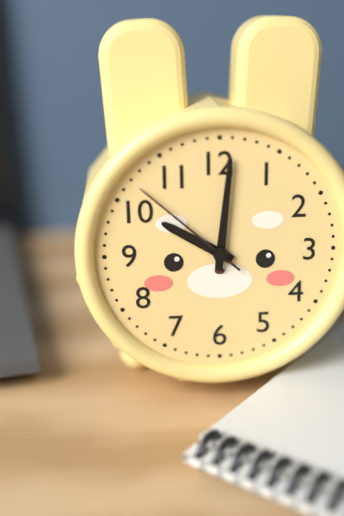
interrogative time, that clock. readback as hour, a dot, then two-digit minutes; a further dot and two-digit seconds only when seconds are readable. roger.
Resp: 10.01.52
